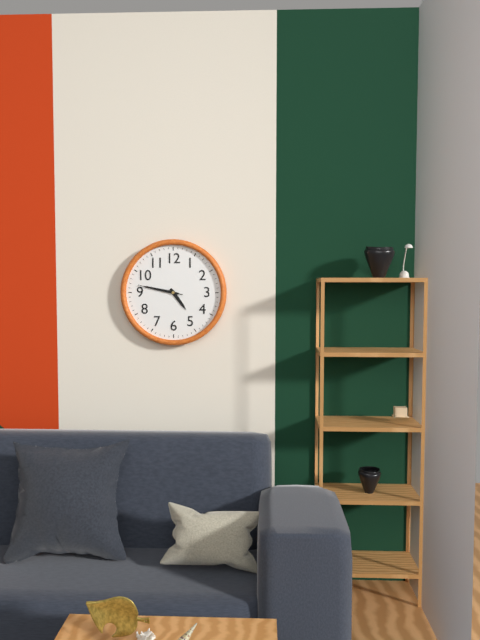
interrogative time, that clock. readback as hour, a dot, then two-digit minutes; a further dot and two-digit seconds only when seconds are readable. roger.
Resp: 4.47
